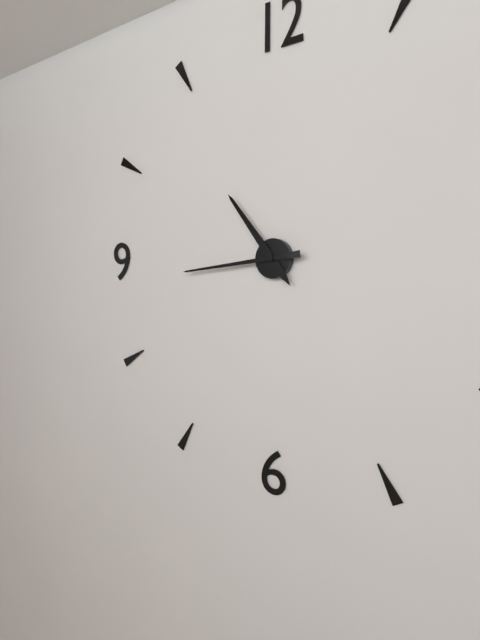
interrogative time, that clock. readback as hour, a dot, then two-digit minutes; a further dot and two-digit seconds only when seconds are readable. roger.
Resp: 10.44
